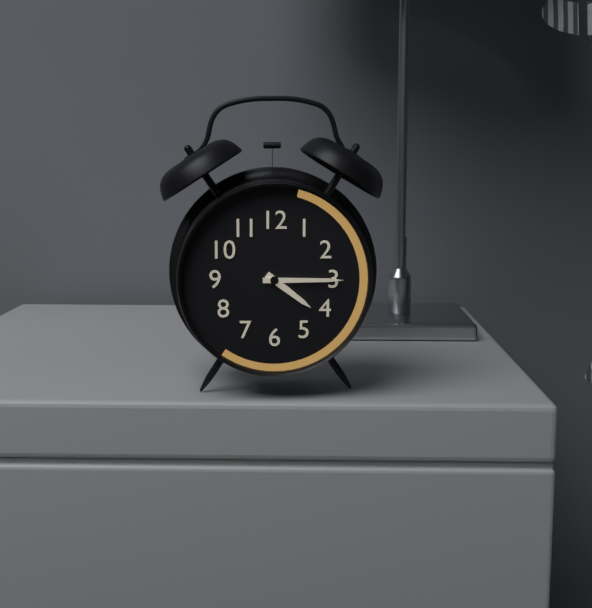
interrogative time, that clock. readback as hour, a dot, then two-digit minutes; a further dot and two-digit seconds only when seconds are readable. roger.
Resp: 4.15
